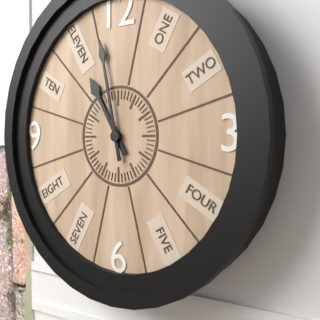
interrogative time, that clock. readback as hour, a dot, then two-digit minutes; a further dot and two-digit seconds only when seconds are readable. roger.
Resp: 10.58
